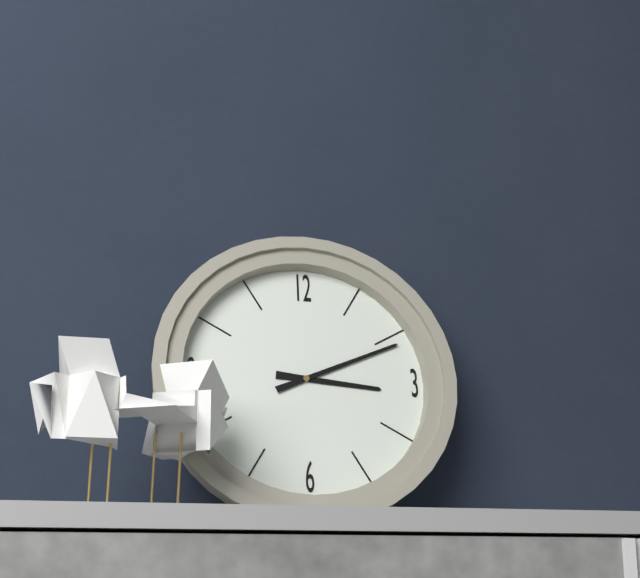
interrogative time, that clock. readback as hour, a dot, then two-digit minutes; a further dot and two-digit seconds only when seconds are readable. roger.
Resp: 3.11
